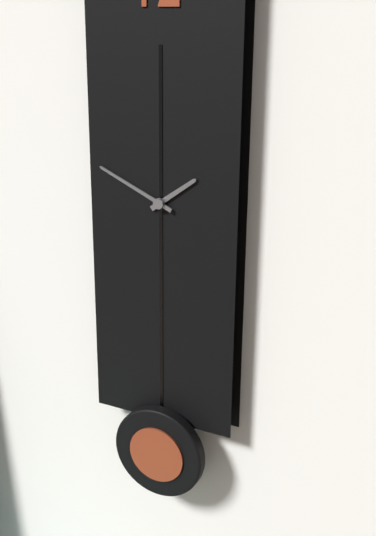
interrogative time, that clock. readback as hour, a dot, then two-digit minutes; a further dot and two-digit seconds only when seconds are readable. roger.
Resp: 1.49
